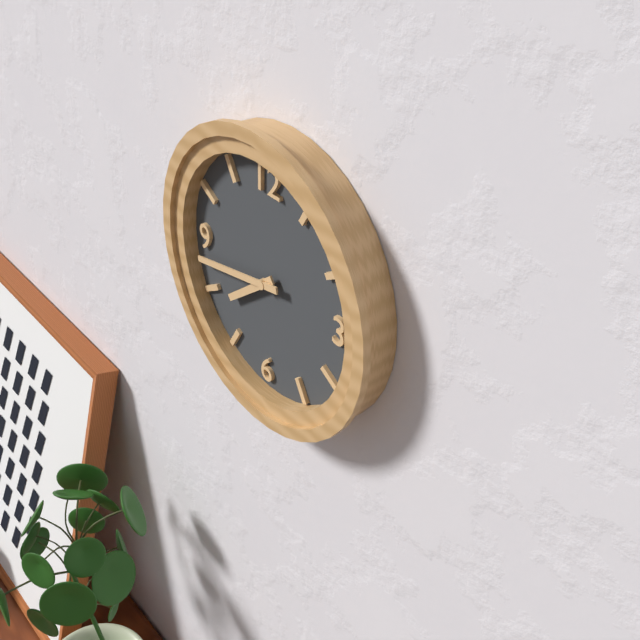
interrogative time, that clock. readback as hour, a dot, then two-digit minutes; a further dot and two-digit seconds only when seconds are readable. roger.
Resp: 7.43
